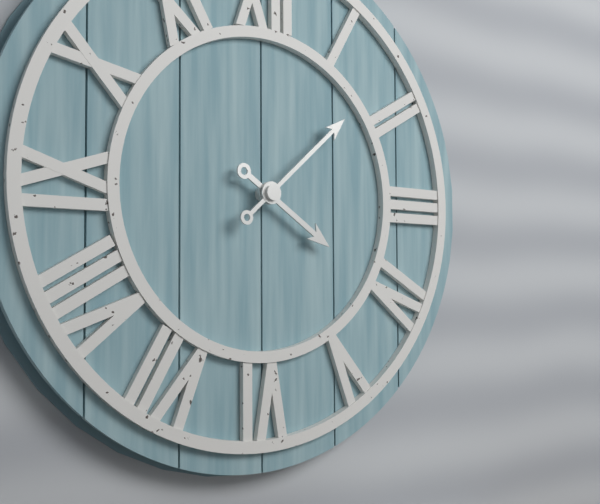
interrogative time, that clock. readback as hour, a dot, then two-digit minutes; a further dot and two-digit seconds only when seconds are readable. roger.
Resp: 4.08
